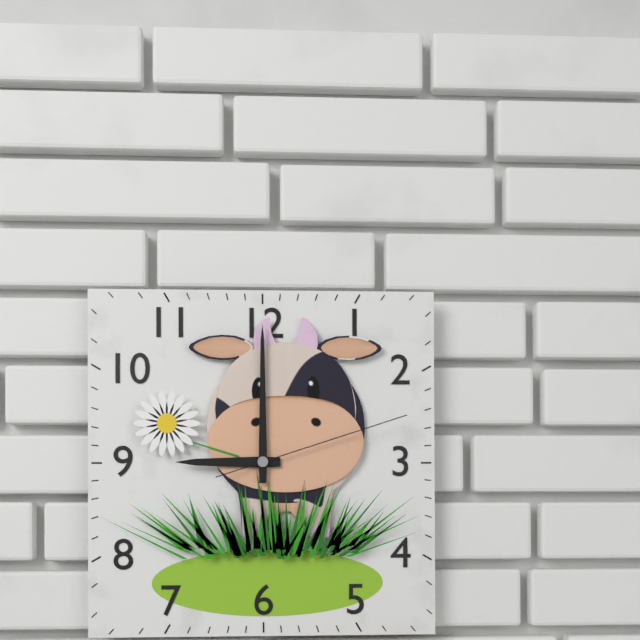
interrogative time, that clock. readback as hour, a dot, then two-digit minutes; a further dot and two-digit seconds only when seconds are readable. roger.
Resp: 9.00.12
